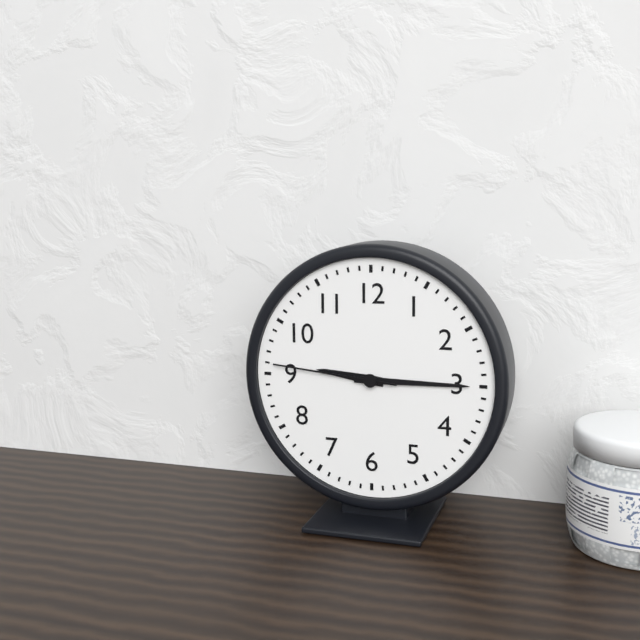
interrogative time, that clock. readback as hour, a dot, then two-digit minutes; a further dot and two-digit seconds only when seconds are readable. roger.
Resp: 9.15.46
